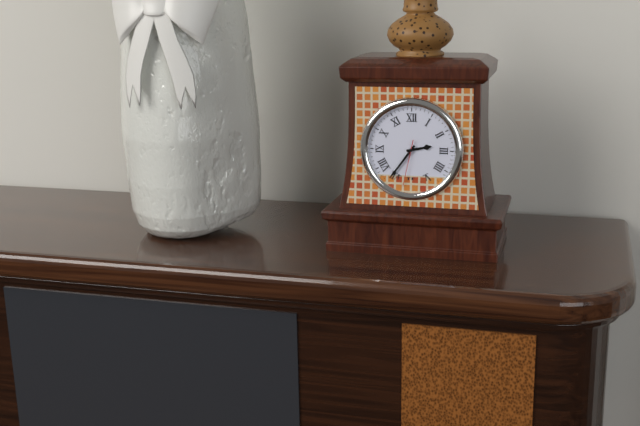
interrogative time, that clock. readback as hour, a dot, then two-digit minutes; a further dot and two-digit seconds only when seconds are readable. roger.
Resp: 2.36
